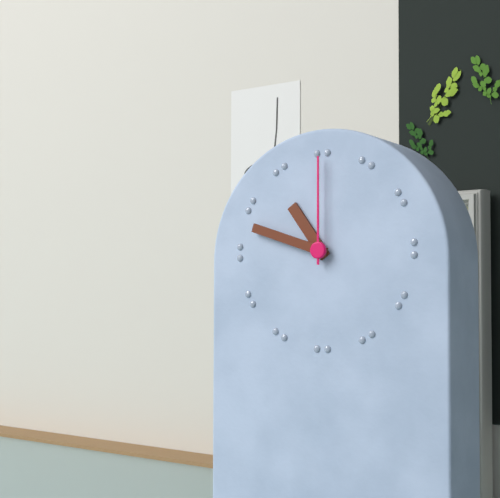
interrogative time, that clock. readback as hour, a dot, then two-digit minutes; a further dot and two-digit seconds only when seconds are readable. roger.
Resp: 10.48.00
